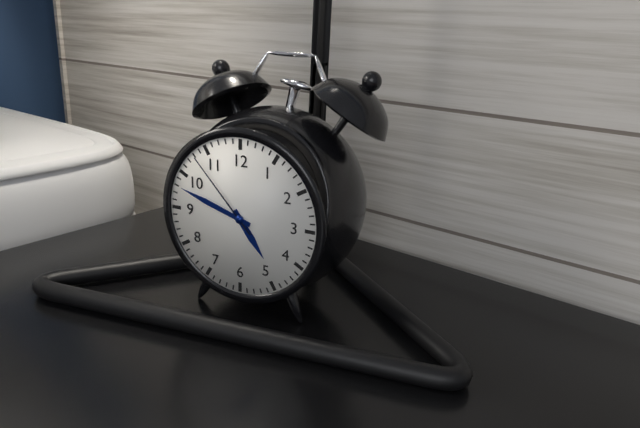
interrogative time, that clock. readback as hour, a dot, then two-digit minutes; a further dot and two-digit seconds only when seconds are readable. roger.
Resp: 4.48.53
